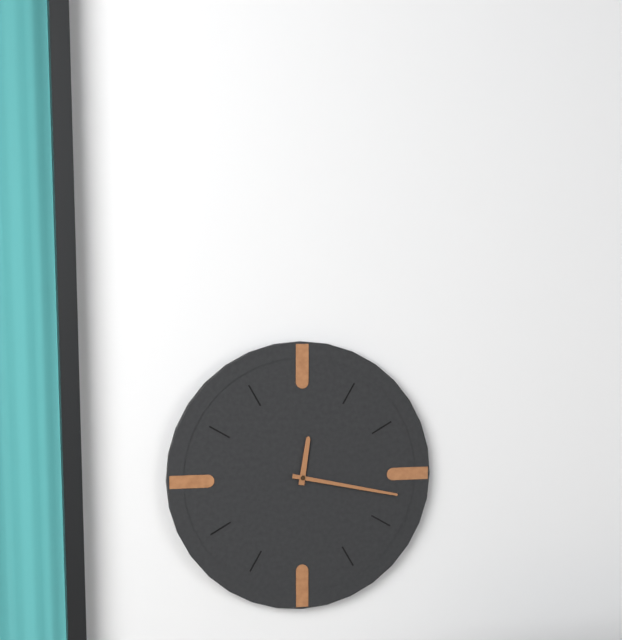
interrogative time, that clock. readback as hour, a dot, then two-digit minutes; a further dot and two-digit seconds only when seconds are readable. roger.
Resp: 12.17
